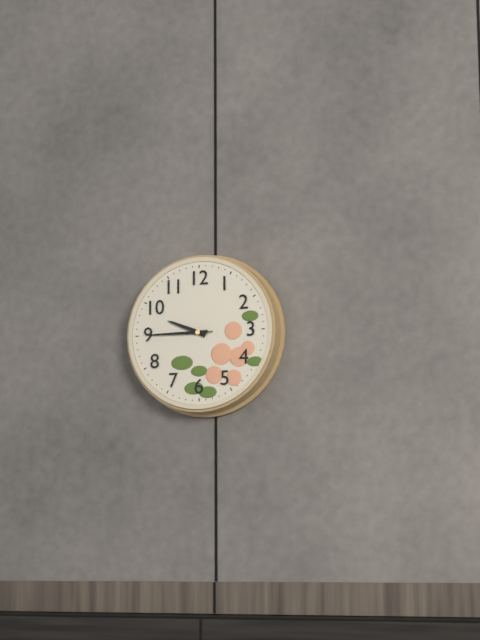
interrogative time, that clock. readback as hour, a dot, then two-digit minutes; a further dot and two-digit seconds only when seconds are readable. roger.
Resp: 9.45.45
